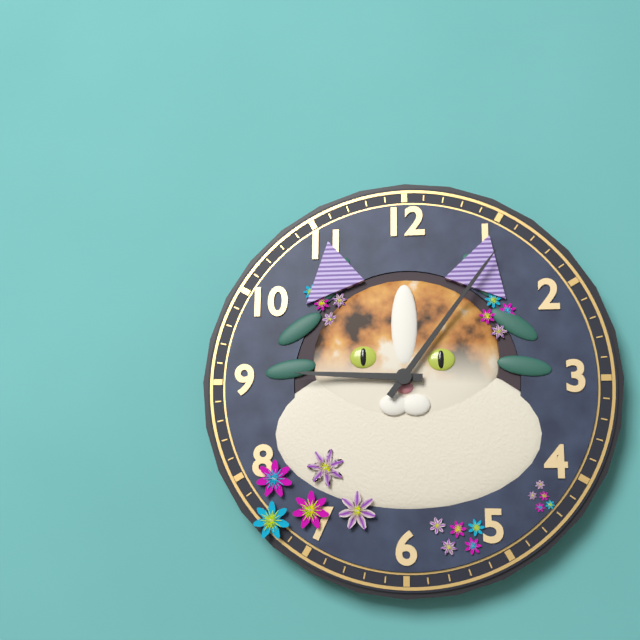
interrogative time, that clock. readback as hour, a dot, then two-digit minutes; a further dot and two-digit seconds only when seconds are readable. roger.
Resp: 9.06
